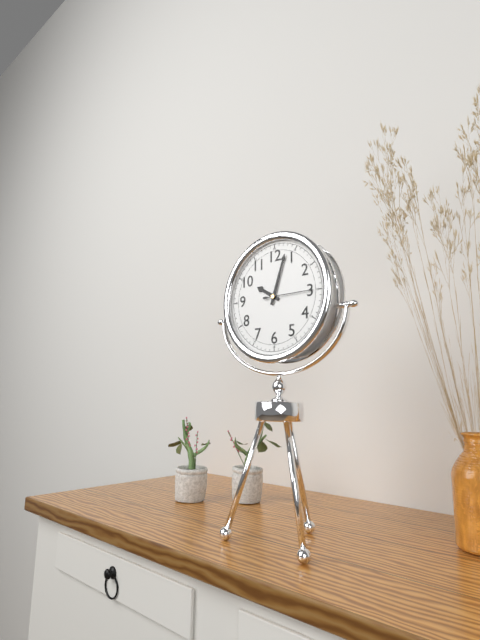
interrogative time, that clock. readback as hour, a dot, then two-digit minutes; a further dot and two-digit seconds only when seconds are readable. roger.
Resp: 10.03.15
